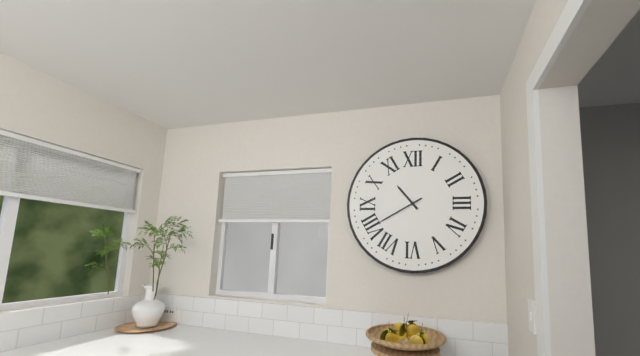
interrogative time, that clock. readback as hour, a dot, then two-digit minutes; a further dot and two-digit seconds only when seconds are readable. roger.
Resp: 10.40
